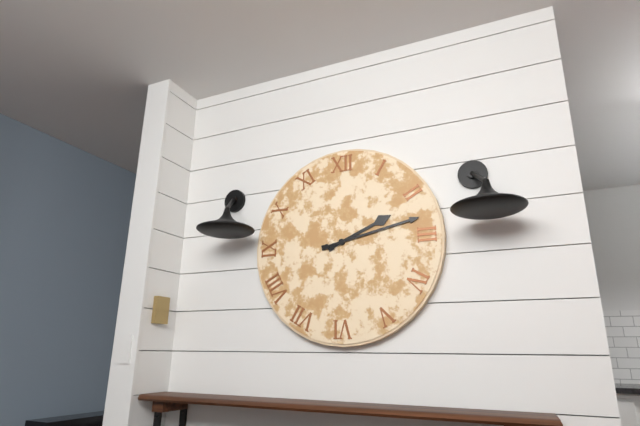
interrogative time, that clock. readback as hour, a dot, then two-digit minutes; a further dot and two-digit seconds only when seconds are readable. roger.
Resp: 2.13
